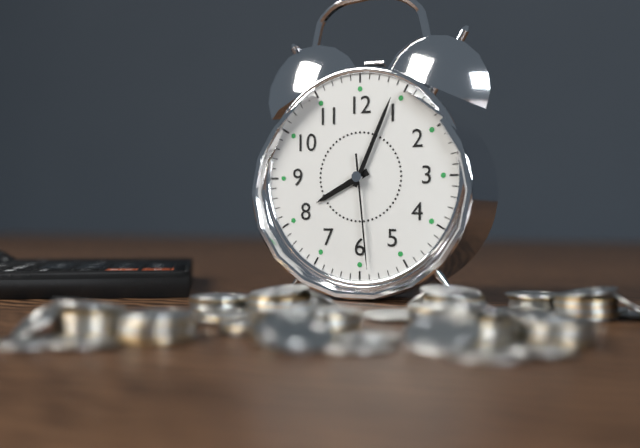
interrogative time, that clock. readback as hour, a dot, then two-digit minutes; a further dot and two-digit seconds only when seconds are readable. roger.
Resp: 8.04.29
